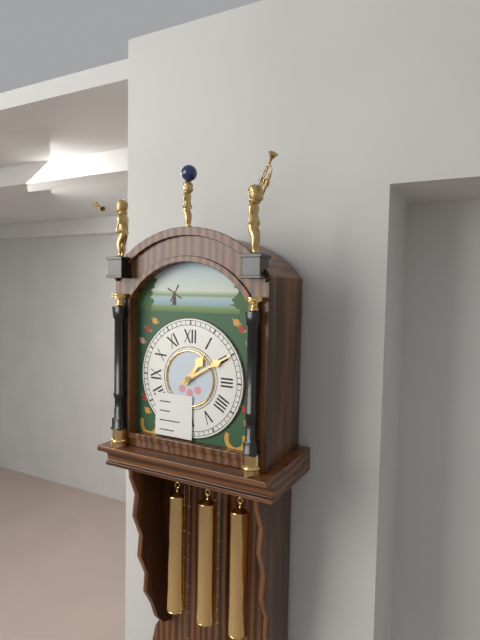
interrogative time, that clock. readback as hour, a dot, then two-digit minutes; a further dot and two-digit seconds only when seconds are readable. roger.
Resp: 1.10
